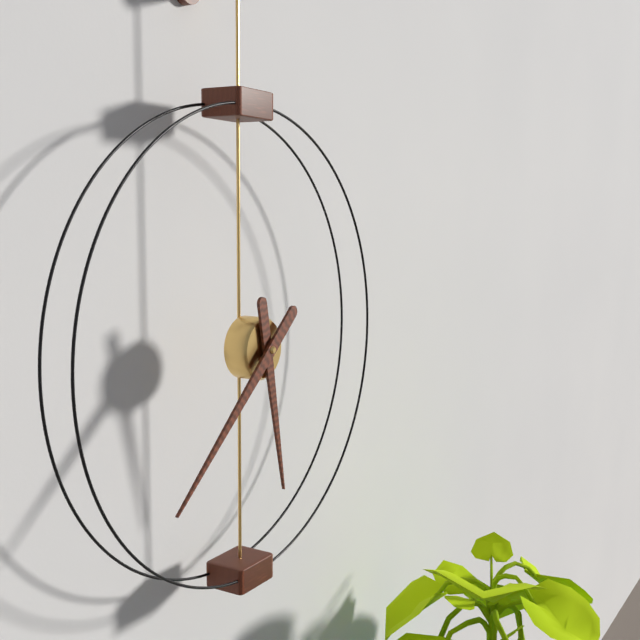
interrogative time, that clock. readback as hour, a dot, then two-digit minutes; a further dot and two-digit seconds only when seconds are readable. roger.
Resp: 5.38
